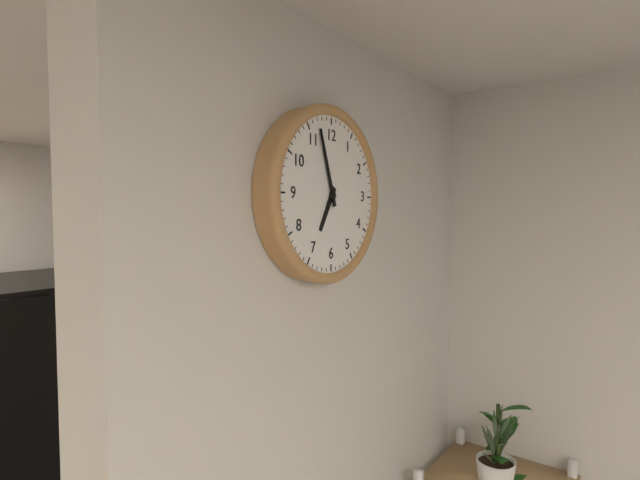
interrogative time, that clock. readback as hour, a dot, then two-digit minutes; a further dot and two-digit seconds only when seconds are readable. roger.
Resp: 6.57
